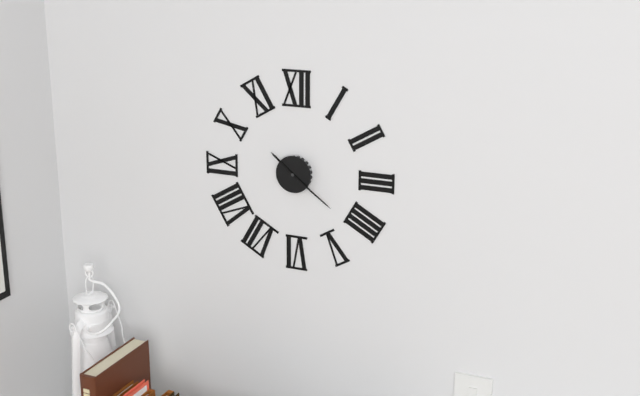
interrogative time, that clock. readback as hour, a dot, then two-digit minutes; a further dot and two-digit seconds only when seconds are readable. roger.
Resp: 10.21
